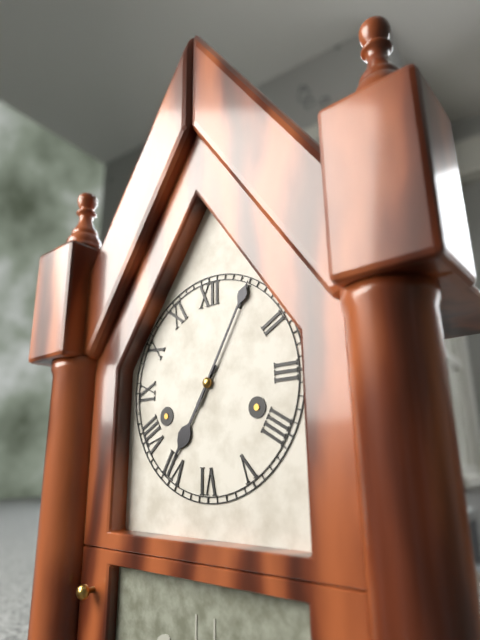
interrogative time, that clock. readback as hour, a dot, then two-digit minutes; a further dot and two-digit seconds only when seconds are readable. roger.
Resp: 7.05
